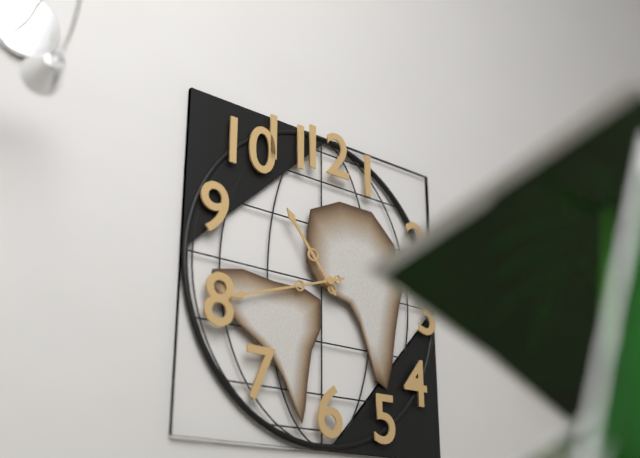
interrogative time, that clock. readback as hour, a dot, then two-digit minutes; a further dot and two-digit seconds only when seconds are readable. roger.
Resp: 10.42
